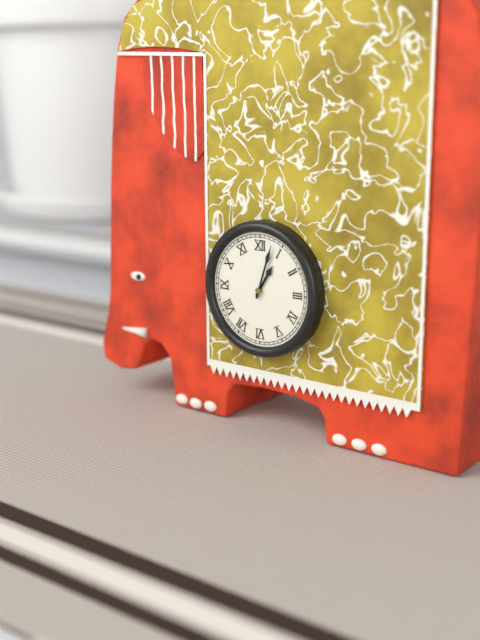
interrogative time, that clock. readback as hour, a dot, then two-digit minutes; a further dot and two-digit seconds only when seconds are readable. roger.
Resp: 1.03
